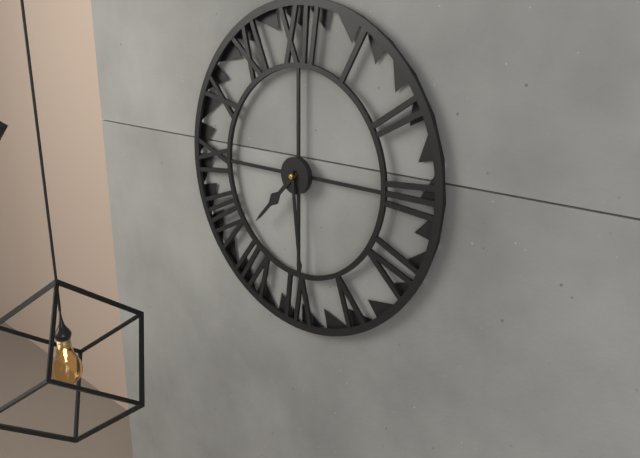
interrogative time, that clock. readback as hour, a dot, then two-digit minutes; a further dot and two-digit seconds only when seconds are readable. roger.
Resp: 7.29
